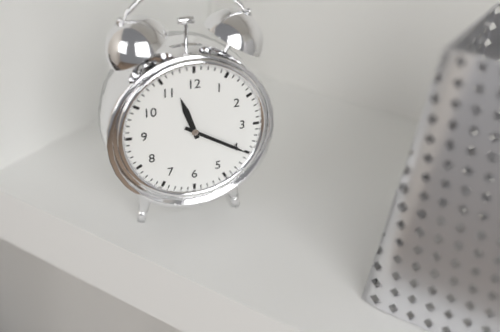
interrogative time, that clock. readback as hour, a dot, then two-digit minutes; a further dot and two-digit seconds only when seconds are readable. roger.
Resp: 11.20
